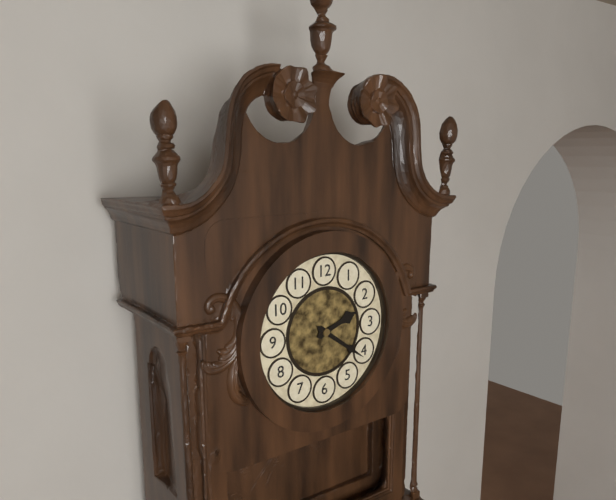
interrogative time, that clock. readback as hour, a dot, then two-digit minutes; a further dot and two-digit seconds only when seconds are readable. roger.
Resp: 2.21
